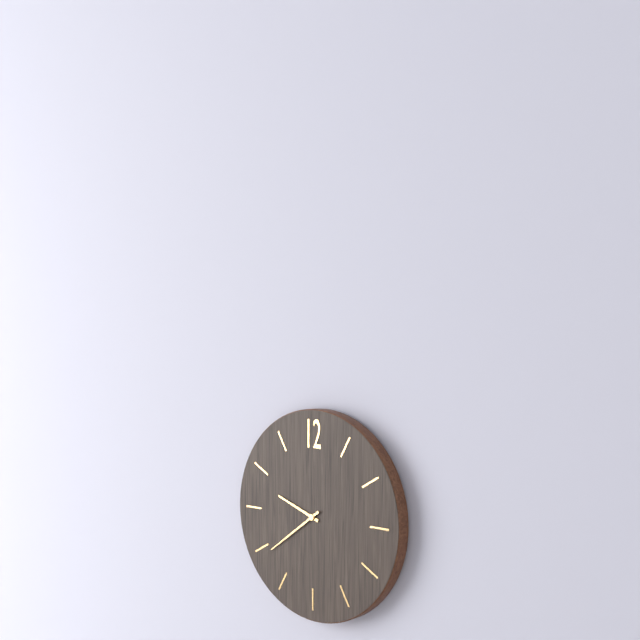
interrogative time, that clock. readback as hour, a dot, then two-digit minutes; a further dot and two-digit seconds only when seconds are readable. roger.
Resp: 9.39
